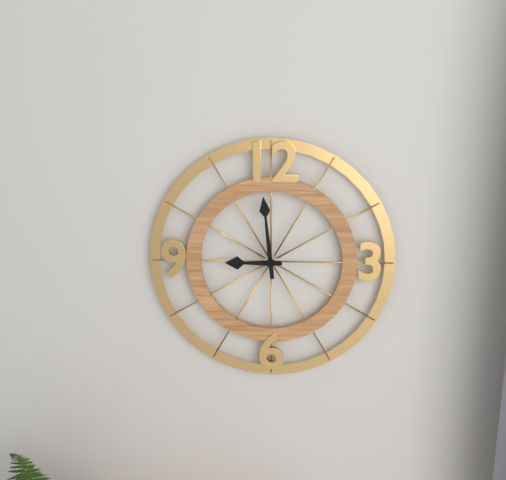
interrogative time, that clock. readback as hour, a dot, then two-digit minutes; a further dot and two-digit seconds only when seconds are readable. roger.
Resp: 8.59
